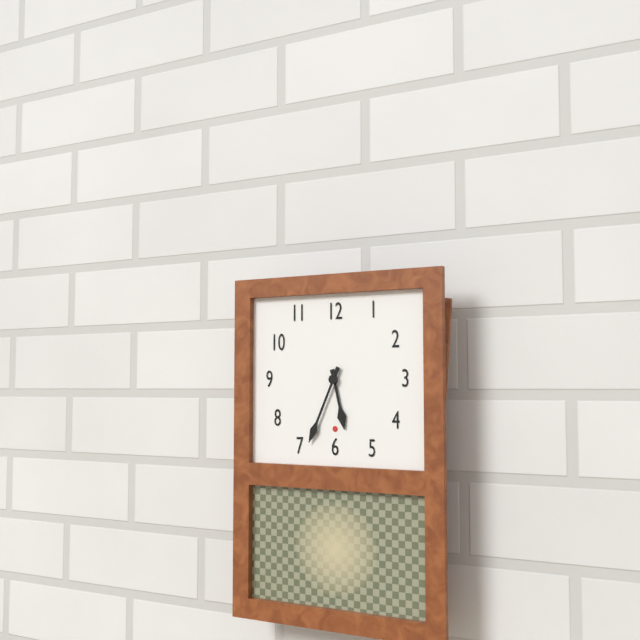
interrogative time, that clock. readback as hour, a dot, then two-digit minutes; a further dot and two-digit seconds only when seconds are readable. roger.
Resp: 5.34
